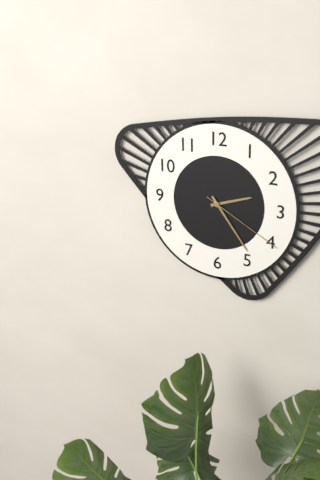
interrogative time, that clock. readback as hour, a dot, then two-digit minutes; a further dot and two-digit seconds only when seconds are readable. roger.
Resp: 2.24.20
